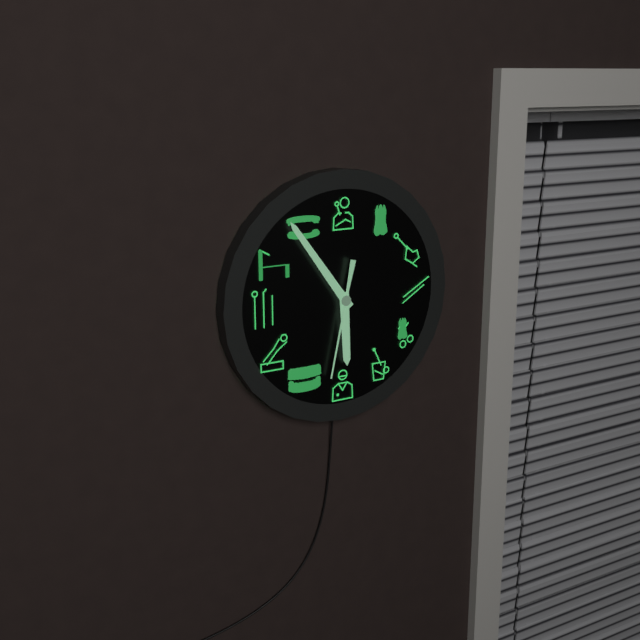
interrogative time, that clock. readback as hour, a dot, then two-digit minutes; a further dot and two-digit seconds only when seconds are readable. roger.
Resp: 5.54.32
